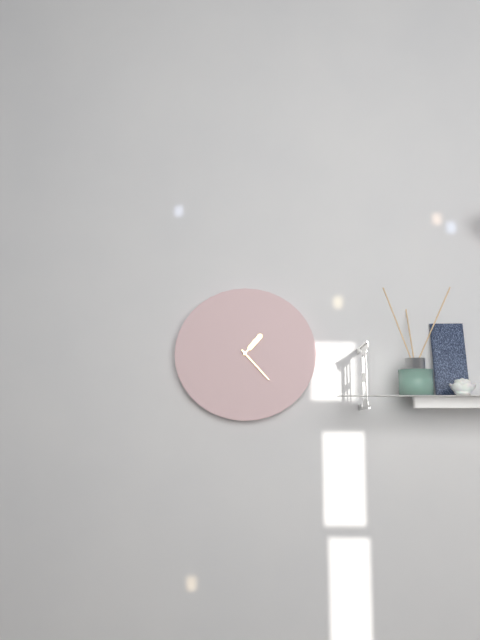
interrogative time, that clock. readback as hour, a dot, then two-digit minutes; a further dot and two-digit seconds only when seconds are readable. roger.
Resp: 1.23
